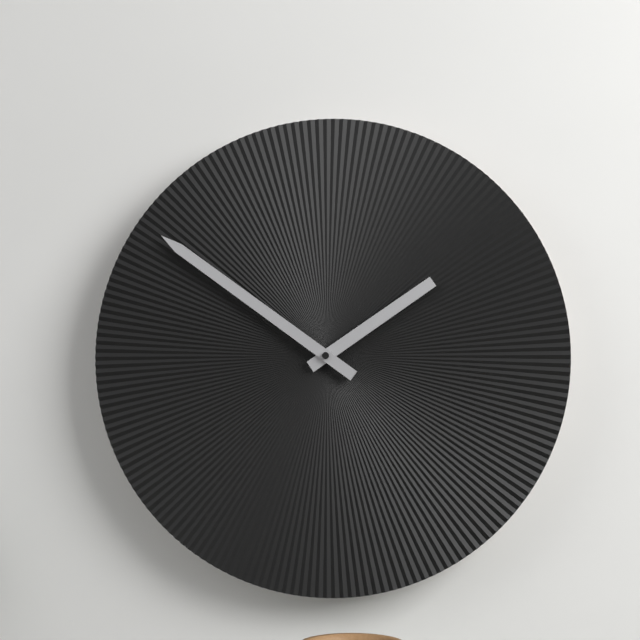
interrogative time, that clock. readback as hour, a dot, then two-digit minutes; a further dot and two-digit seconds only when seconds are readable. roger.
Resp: 1.51
